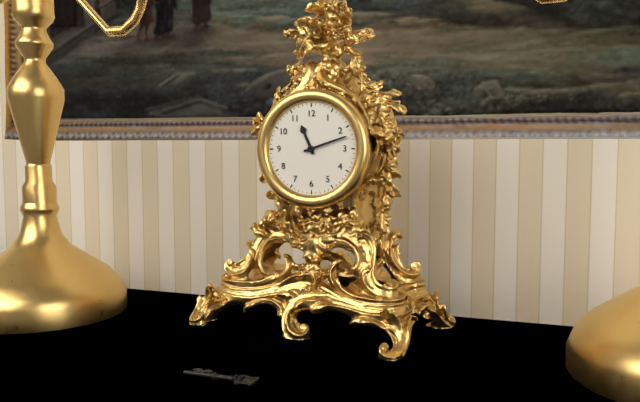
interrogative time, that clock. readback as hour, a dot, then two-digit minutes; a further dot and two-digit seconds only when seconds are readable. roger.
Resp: 11.12
